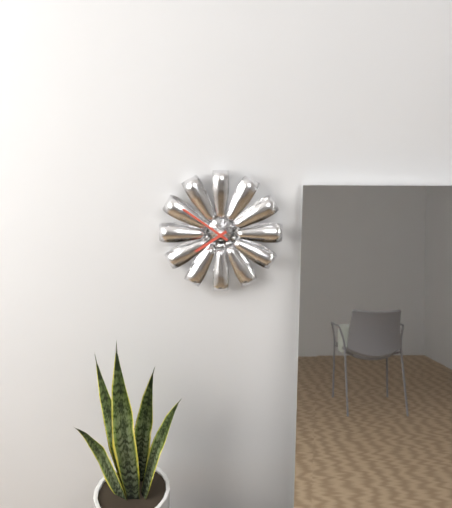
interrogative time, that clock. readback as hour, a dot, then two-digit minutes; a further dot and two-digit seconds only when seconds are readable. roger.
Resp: 7.51
